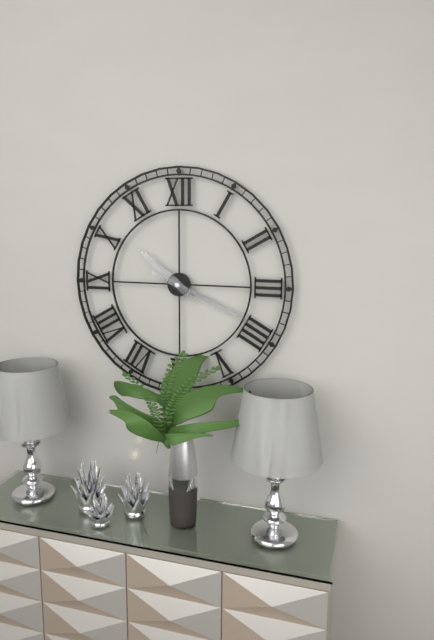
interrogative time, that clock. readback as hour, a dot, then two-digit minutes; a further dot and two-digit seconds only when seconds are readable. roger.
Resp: 10.19
